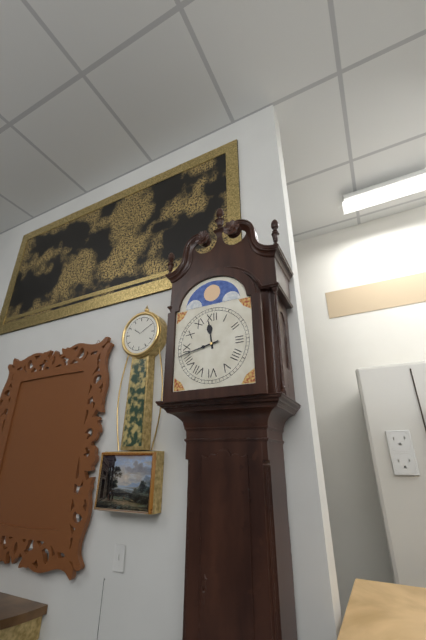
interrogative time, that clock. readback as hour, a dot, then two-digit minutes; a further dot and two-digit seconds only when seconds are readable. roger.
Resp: 11.43
